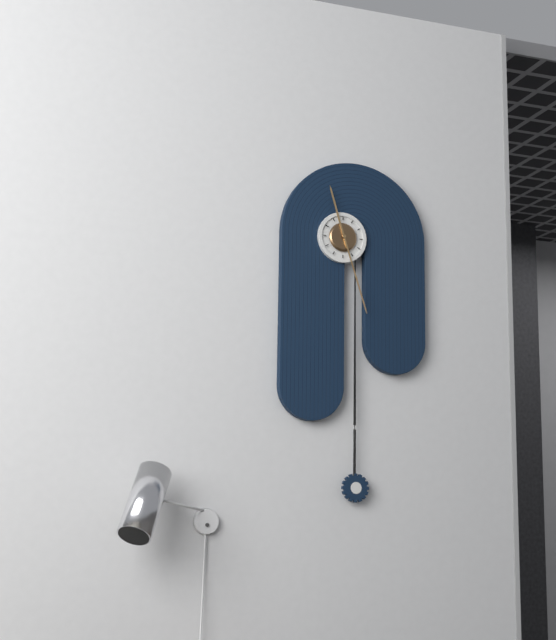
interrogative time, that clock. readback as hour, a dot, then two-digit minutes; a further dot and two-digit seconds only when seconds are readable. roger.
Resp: 11.27
